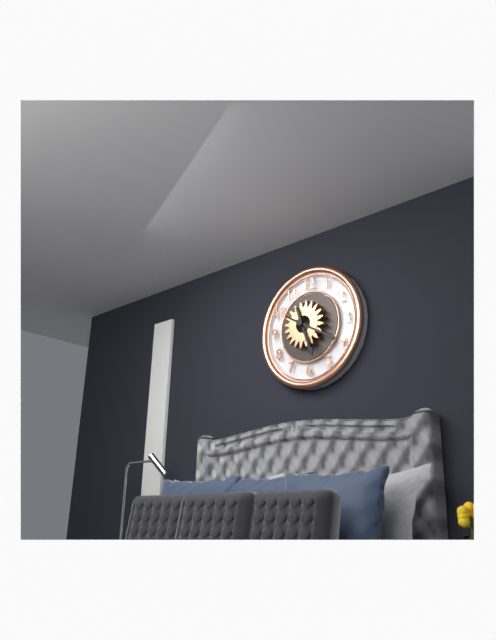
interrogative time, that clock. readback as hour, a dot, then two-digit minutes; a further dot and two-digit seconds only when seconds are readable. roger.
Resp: 5.20
